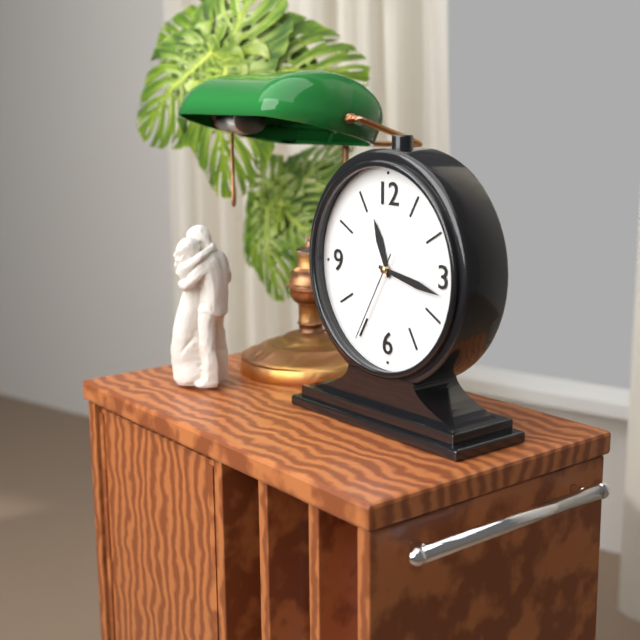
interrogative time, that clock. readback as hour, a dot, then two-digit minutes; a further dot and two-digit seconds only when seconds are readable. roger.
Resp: 11.17.35
